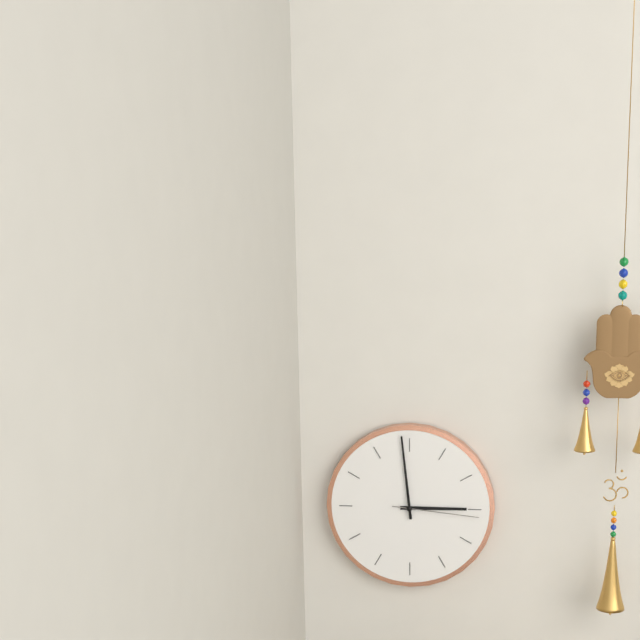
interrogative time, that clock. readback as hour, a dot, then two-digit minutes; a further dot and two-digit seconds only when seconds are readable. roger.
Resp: 2.59.16
